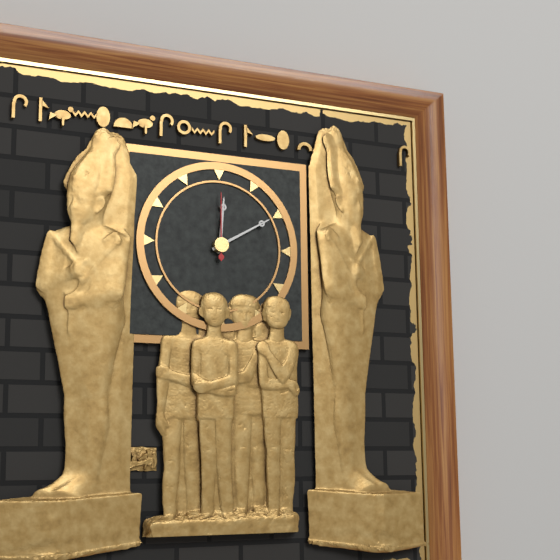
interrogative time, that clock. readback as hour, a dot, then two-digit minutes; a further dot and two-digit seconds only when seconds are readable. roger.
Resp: 12.10.00
